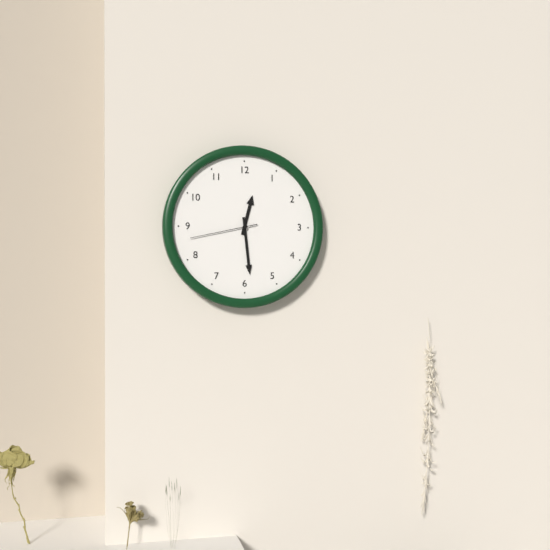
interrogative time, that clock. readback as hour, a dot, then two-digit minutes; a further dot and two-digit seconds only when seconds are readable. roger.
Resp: 12.29.43
